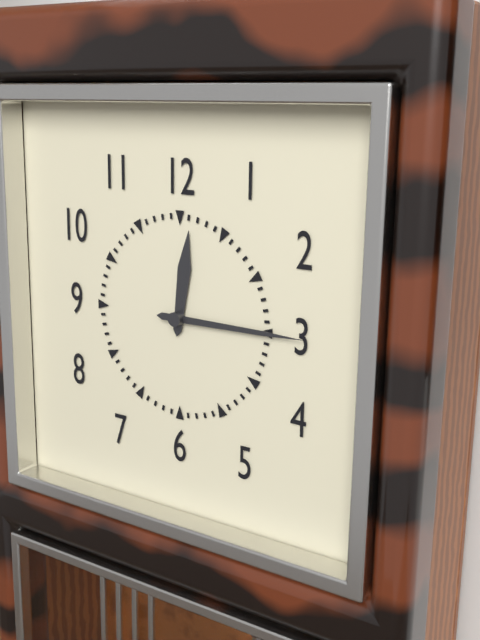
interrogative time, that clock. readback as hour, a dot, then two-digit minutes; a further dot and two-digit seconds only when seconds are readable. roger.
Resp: 12.15
